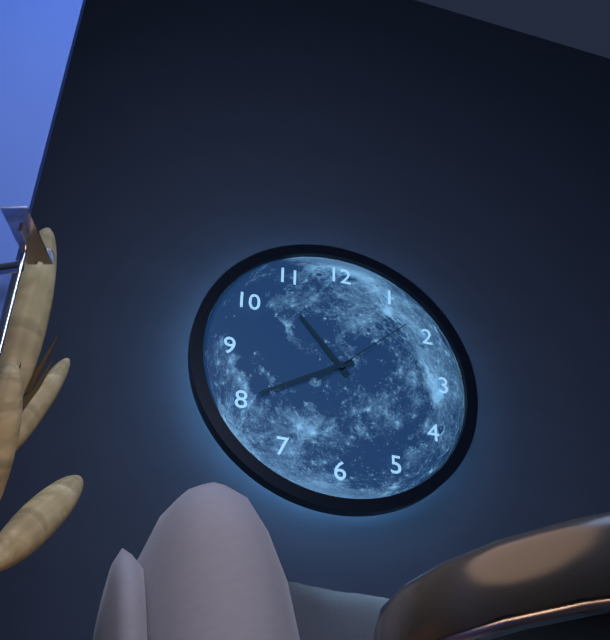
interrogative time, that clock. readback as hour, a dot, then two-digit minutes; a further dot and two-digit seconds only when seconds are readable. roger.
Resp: 10.40.08
